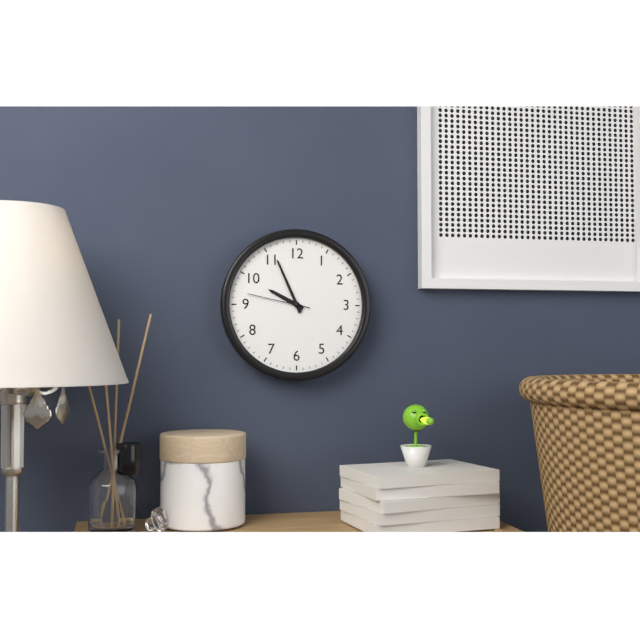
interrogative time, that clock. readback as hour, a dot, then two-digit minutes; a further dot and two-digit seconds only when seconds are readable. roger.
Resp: 9.56.47
